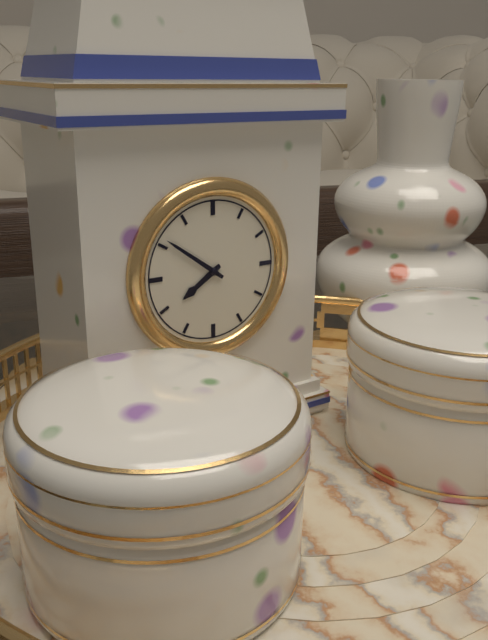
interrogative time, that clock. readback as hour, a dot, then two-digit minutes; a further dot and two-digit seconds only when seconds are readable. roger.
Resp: 7.51
